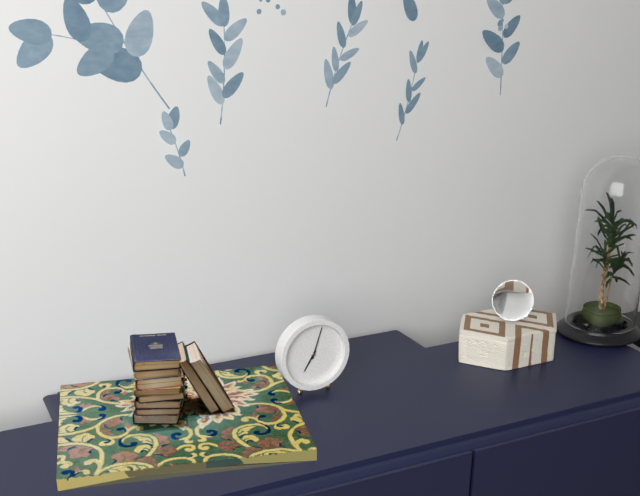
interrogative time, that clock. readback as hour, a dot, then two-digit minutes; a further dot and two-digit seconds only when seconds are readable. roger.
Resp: 7.03
